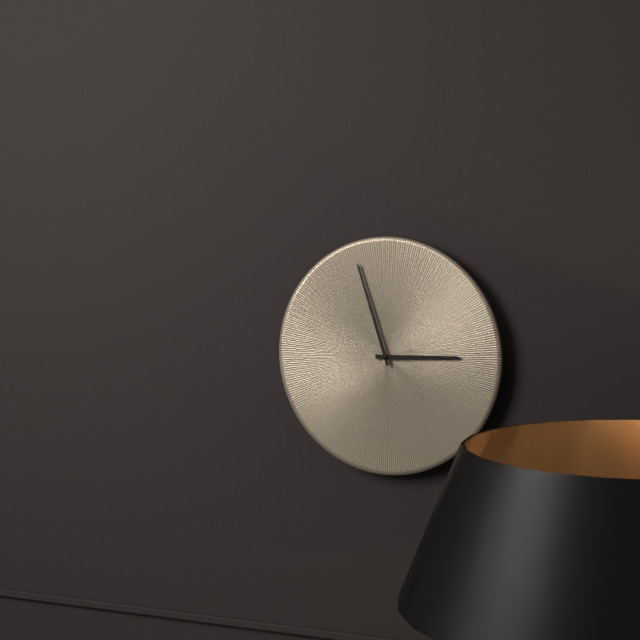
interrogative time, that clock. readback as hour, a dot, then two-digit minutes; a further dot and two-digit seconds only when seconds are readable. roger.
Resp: 2.57
